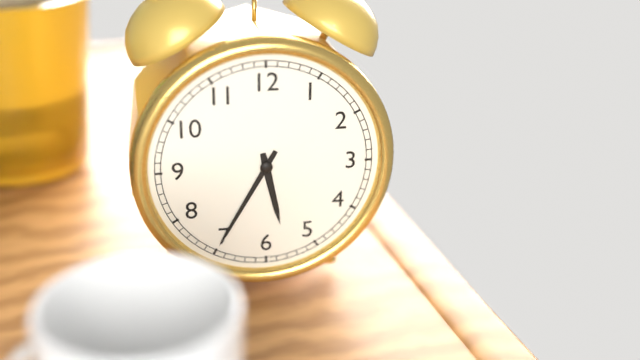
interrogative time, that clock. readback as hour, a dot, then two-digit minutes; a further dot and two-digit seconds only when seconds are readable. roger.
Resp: 5.35
